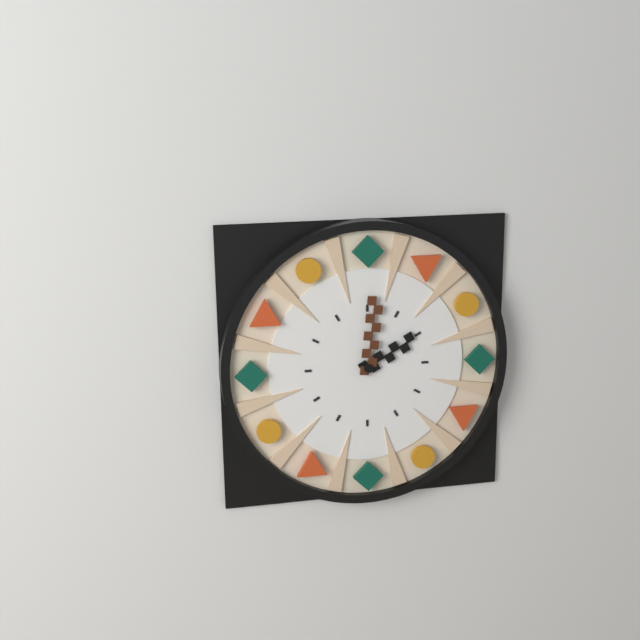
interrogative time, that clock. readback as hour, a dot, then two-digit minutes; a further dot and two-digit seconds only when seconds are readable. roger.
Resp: 2.01
